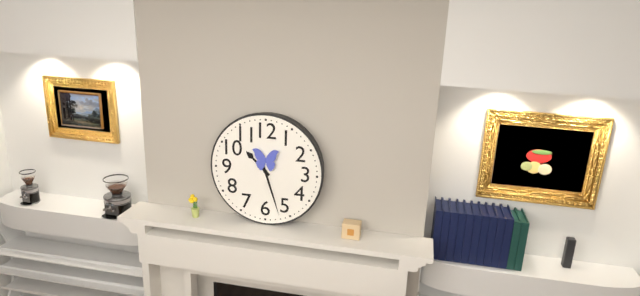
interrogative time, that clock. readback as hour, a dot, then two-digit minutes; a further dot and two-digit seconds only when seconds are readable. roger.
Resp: 10.27
